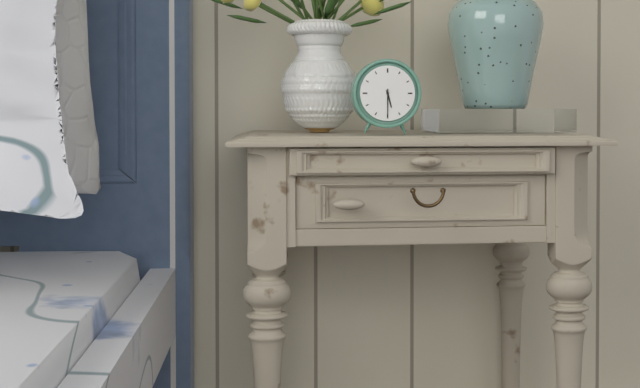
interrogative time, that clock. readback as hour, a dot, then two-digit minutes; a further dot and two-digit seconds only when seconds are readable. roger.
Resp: 5.30
